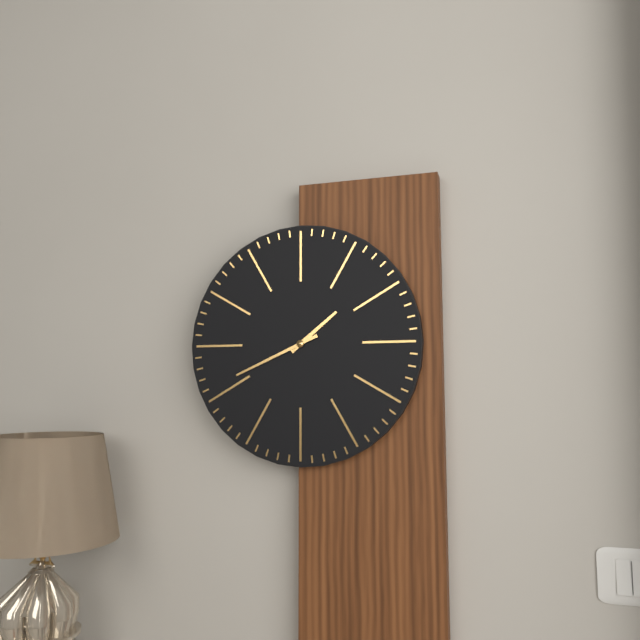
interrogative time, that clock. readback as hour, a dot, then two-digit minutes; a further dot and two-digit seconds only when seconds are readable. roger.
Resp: 1.41
